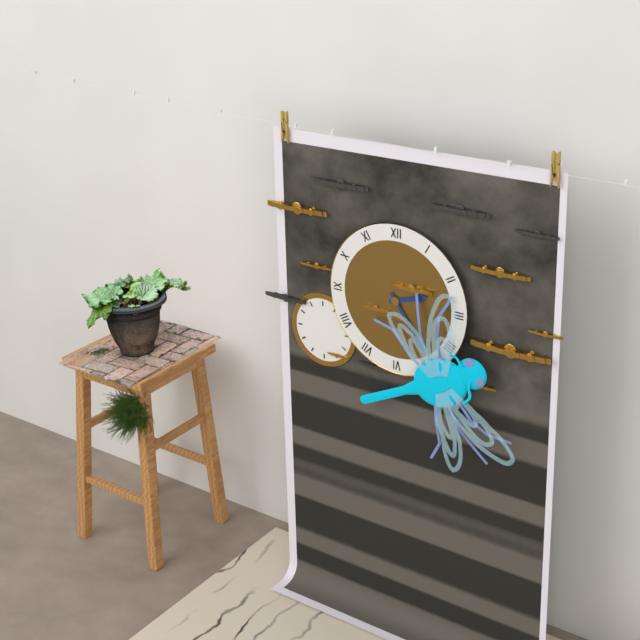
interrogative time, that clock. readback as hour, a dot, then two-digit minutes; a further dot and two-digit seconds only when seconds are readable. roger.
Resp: 2.24
